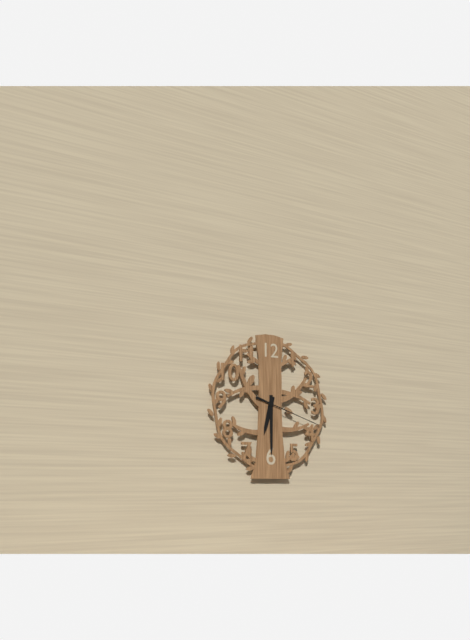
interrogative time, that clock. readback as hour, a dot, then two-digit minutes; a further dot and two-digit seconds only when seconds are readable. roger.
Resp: 6.30.18
